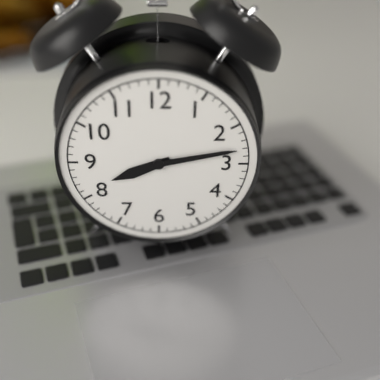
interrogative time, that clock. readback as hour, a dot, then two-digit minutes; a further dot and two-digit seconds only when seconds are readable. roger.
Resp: 8.13
